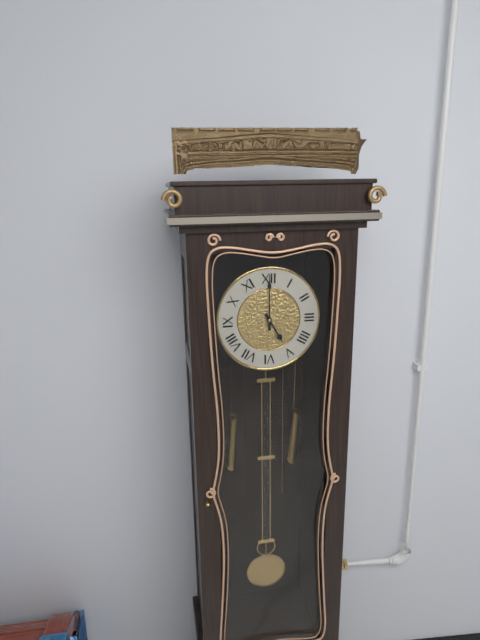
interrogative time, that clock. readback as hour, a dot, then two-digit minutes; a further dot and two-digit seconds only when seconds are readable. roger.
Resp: 5.00
